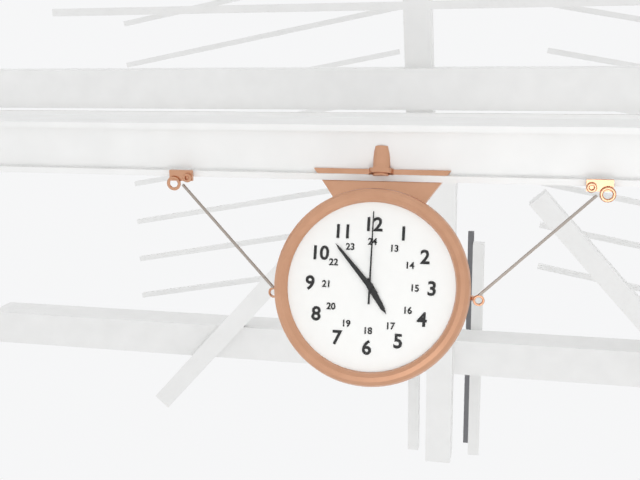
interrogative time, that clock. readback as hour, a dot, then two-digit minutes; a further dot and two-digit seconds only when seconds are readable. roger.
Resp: 4.53.00
